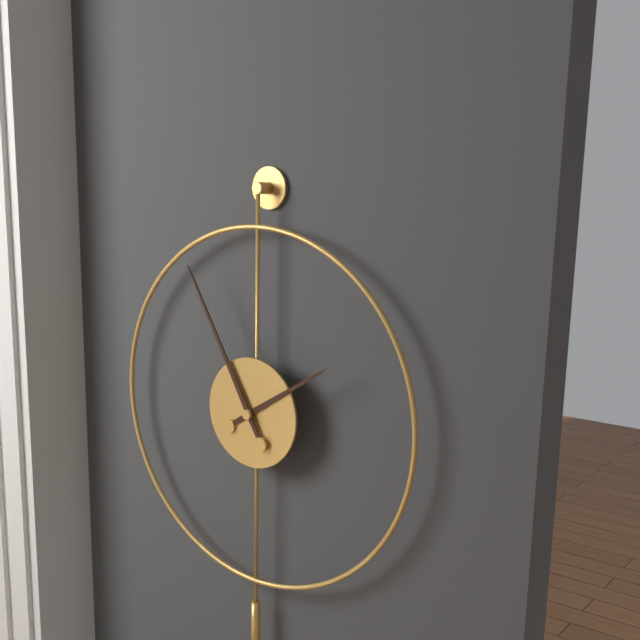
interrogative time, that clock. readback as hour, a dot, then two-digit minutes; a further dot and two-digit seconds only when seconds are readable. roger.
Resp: 1.55
